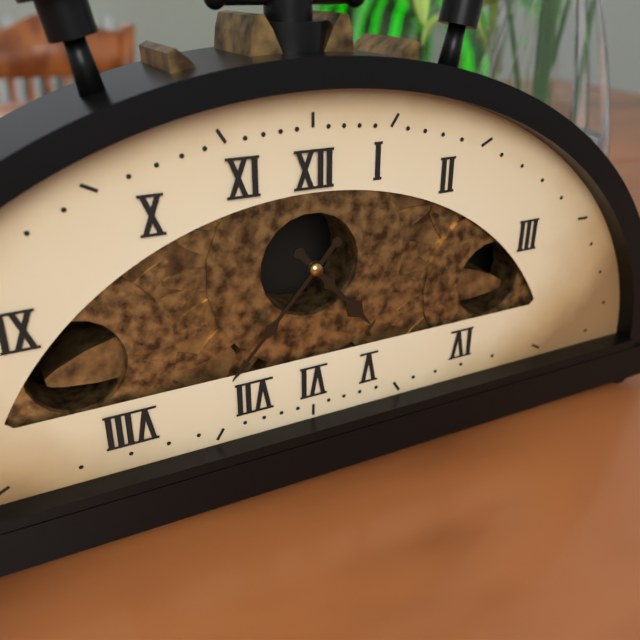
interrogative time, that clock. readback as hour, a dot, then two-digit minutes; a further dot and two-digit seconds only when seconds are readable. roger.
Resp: 4.37
